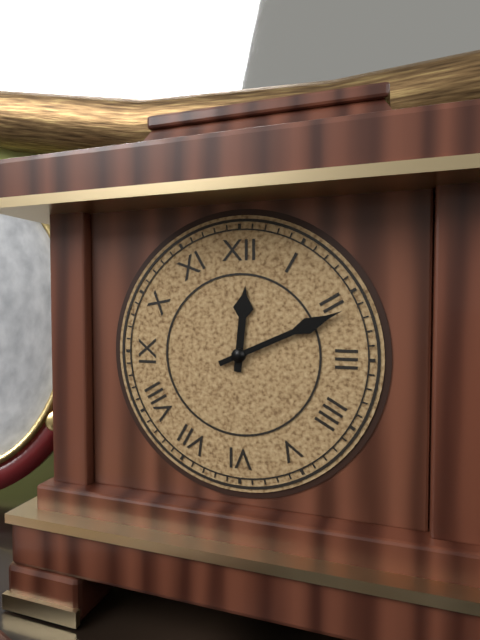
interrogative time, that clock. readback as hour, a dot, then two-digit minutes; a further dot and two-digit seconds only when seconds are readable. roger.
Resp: 12.11
